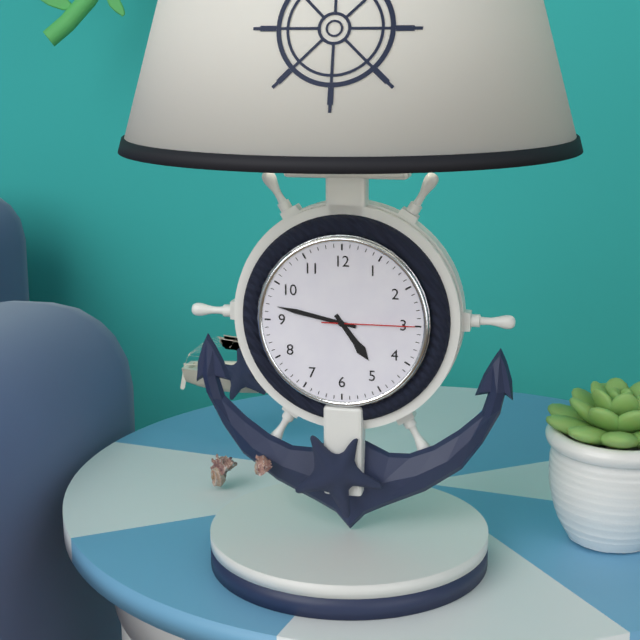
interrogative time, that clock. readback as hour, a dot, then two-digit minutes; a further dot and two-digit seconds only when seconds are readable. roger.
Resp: 4.47.15
